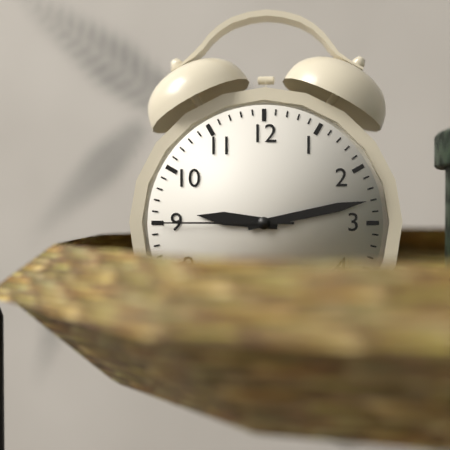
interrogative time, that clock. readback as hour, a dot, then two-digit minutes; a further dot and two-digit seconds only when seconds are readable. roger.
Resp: 9.13.45
